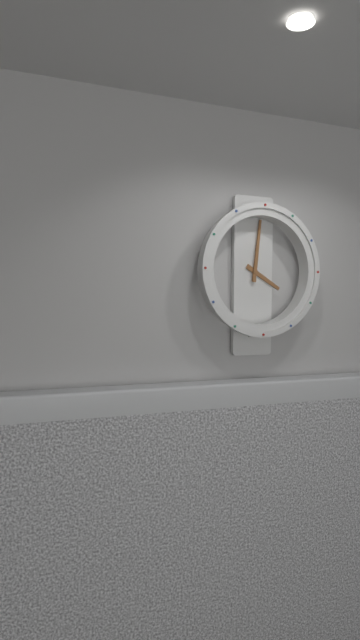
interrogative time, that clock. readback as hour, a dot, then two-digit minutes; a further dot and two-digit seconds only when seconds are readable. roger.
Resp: 4.01
